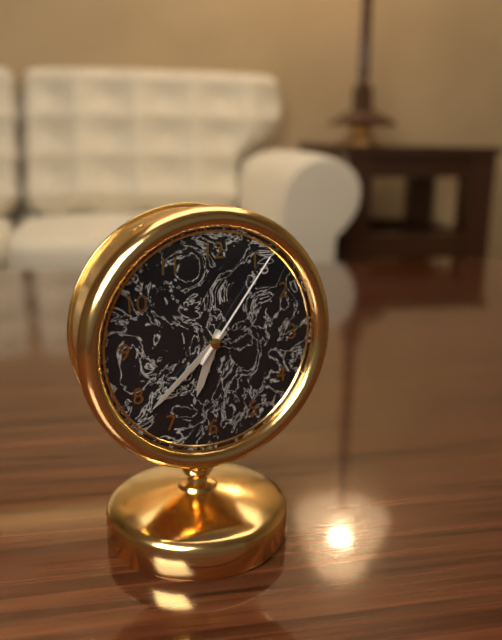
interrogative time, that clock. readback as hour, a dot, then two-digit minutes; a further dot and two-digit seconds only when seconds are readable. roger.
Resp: 6.38.06
